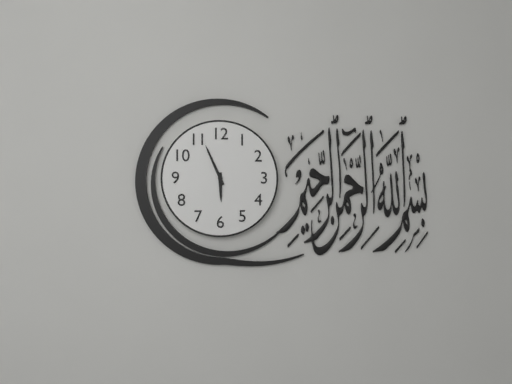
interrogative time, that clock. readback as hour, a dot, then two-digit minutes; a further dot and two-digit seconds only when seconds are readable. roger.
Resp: 5.56
